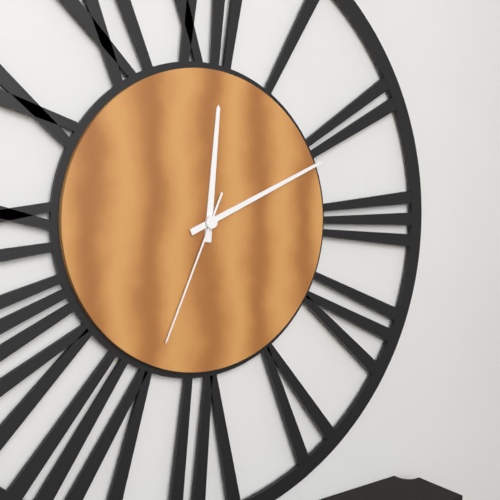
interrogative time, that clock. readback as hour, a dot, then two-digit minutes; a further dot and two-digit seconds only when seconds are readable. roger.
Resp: 12.11.34
